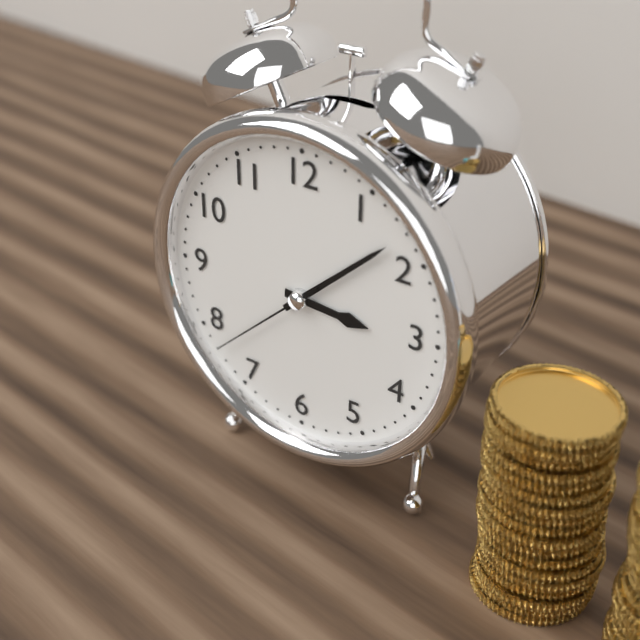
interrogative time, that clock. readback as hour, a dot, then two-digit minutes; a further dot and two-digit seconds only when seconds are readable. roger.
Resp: 3.08.38
